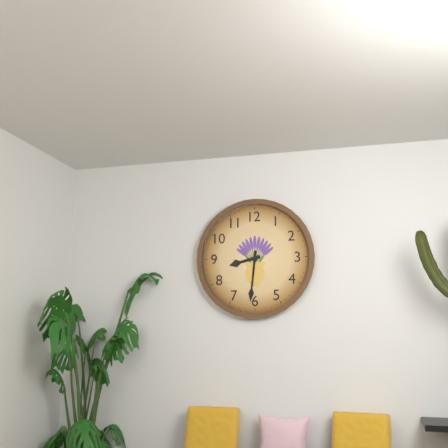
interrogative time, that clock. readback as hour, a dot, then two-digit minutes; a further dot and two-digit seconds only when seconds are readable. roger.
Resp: 8.31
